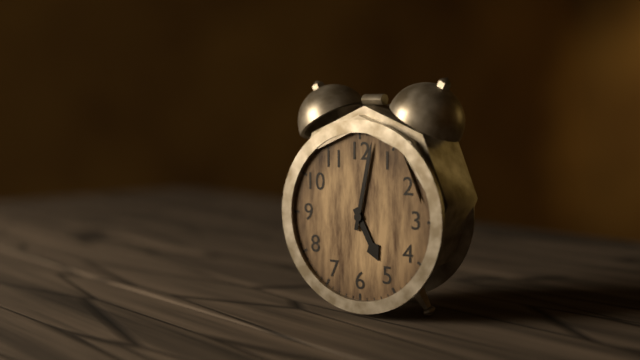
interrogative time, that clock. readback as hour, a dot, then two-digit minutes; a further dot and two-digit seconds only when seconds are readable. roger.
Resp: 5.02
